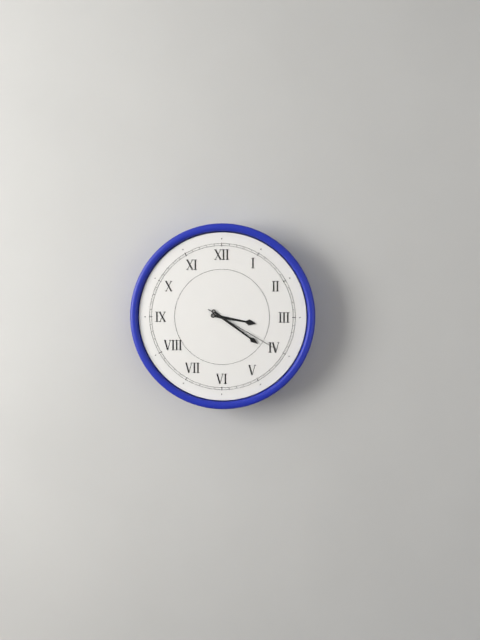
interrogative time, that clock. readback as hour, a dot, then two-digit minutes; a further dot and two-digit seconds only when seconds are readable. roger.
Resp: 3.21.20
